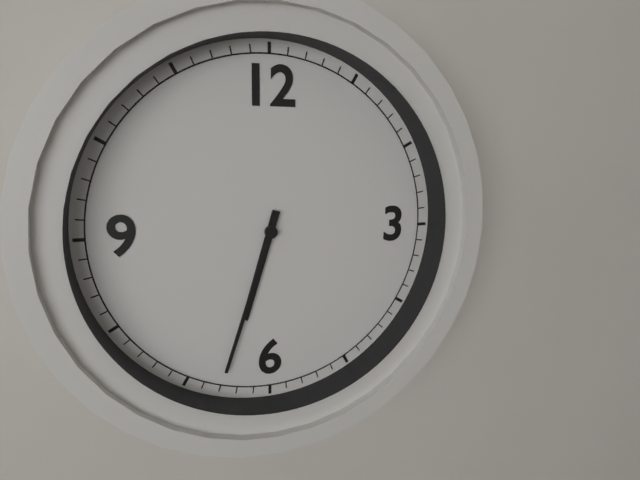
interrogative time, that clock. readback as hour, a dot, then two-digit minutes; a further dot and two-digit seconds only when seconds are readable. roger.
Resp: 6.33
